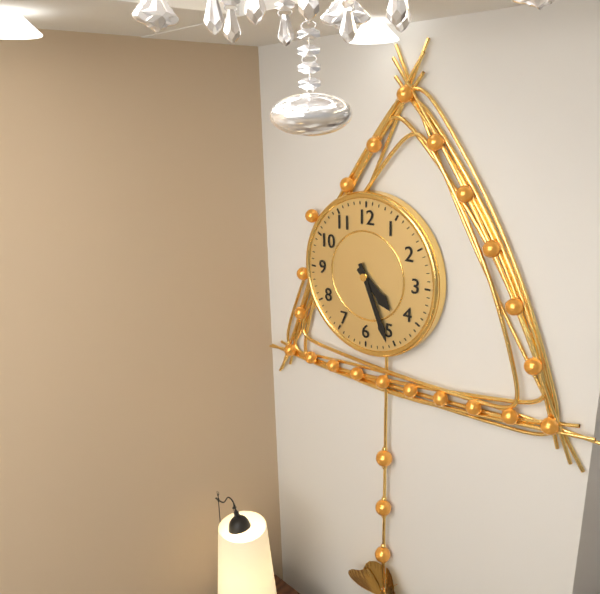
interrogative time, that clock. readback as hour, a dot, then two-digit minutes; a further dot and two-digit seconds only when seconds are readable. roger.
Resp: 4.26
